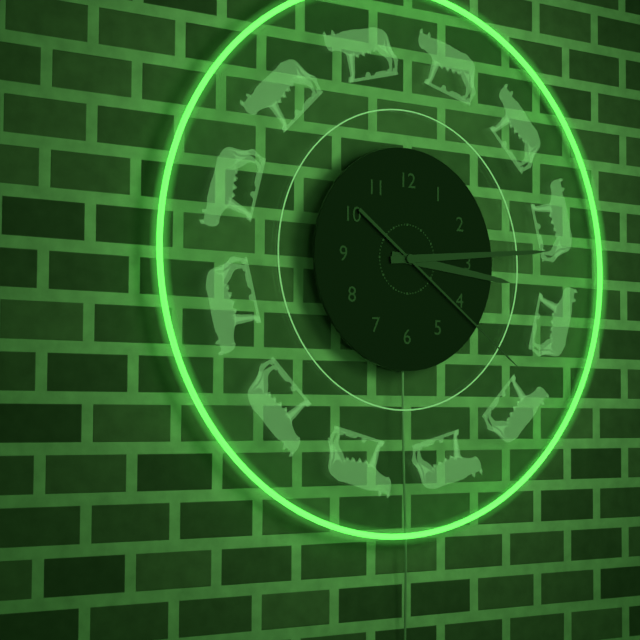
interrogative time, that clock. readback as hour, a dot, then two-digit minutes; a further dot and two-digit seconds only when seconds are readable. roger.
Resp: 3.14.21
